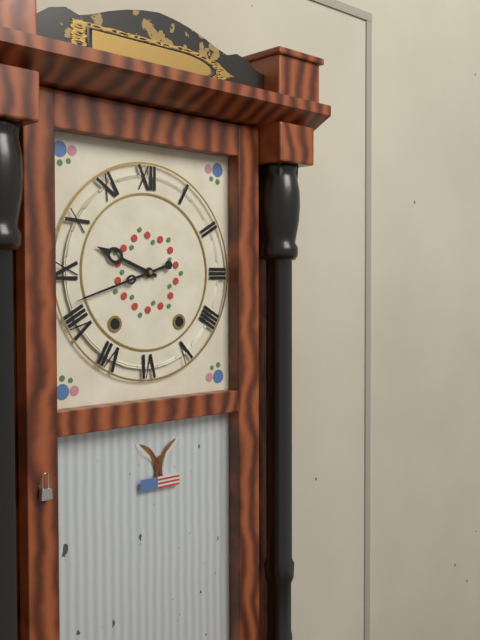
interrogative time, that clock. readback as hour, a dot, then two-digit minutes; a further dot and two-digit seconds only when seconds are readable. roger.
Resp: 9.42
